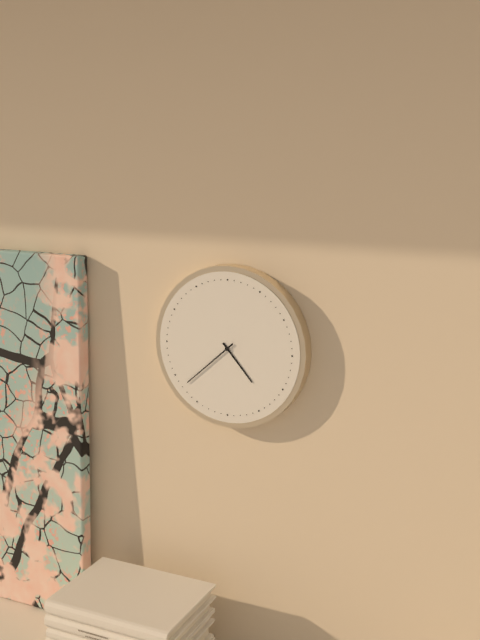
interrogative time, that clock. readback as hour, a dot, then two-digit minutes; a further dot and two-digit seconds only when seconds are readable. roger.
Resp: 4.38
